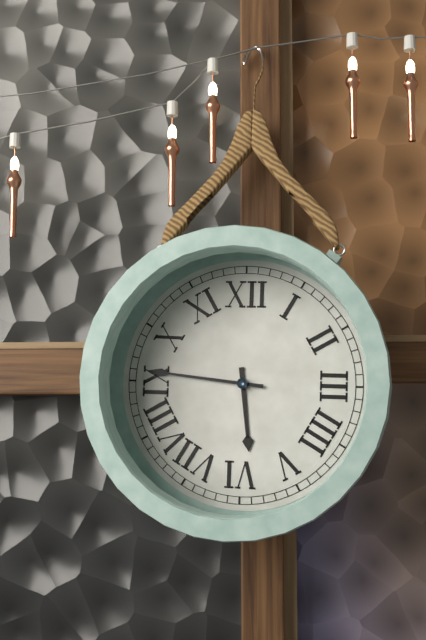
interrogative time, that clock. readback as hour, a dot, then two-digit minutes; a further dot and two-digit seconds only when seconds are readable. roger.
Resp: 5.46
